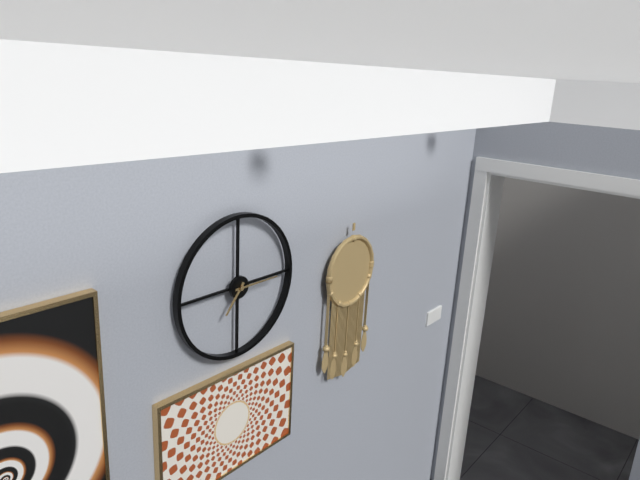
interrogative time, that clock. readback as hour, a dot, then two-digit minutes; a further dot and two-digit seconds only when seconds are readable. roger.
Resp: 7.15
